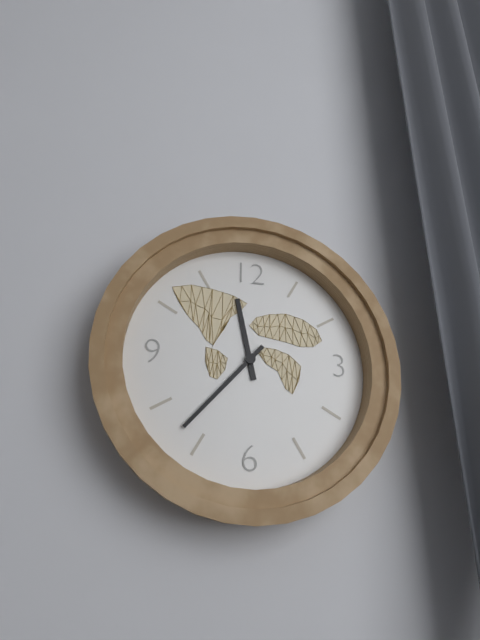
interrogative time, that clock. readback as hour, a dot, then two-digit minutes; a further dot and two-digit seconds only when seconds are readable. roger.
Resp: 11.37
